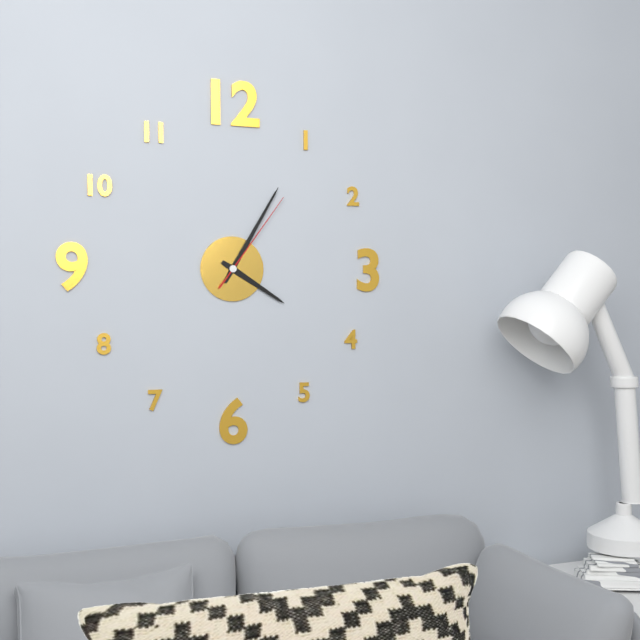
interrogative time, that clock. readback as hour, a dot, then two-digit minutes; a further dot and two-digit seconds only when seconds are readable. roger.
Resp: 4.05.06
